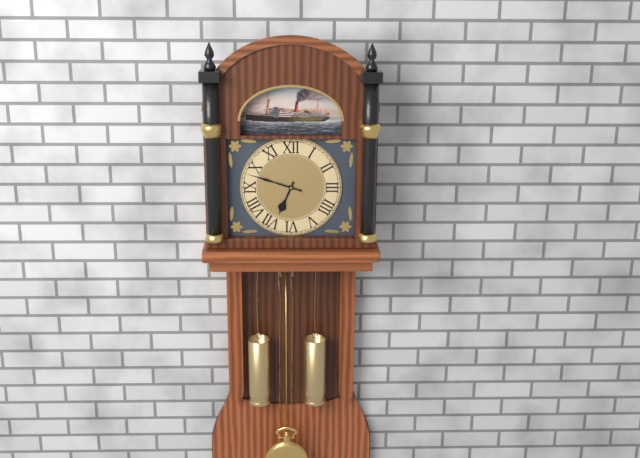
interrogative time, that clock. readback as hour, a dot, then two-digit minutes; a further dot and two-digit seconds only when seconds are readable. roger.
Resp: 6.48
